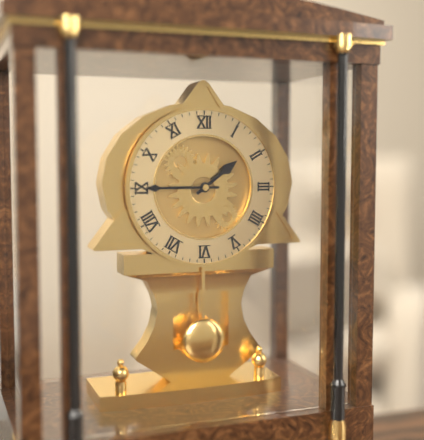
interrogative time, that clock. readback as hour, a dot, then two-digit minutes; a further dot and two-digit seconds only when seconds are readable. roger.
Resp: 1.45
